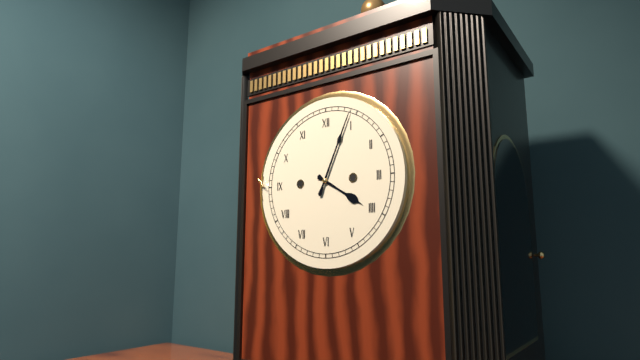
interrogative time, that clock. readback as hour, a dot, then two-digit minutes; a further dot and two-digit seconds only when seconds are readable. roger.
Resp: 4.04
